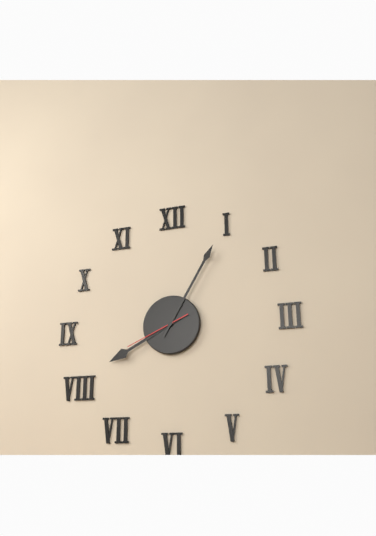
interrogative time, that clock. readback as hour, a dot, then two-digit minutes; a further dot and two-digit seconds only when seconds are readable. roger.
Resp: 8.05.41
